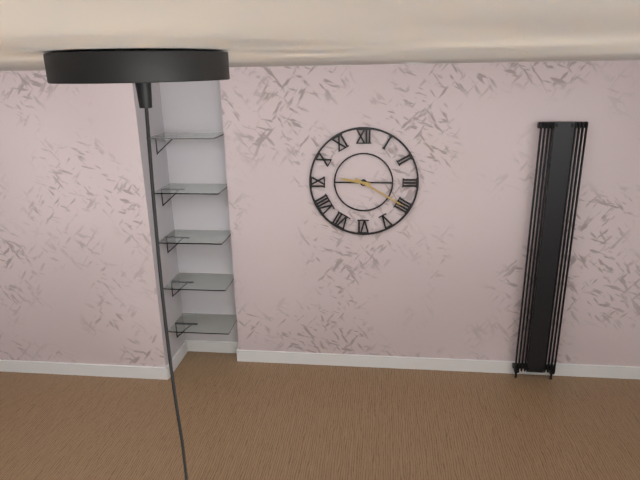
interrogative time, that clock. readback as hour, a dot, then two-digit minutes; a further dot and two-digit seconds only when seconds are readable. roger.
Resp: 9.20
